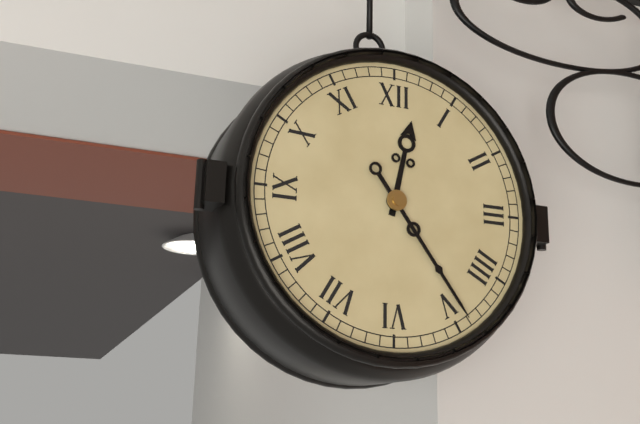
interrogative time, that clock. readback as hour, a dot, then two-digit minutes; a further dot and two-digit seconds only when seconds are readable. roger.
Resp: 12.24
